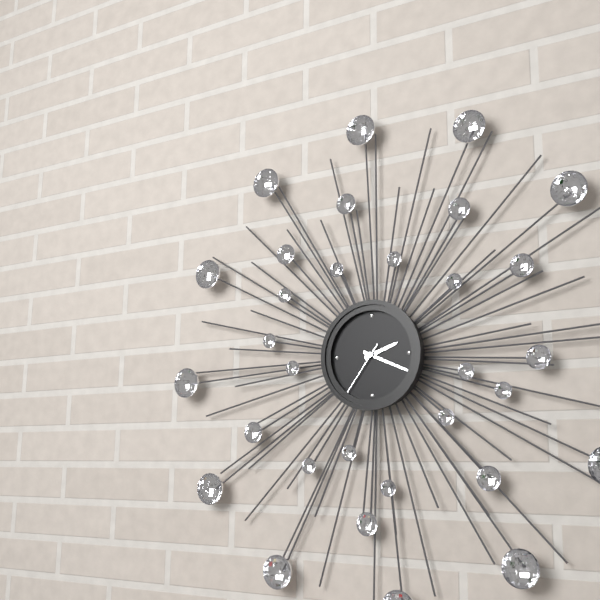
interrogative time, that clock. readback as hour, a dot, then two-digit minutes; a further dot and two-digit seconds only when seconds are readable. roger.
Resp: 2.19.36
